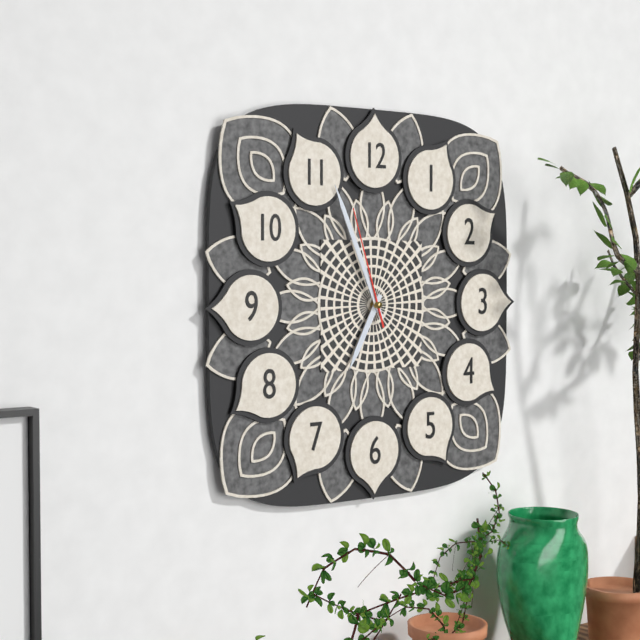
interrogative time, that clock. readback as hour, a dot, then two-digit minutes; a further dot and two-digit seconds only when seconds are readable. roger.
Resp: 6.56.57
